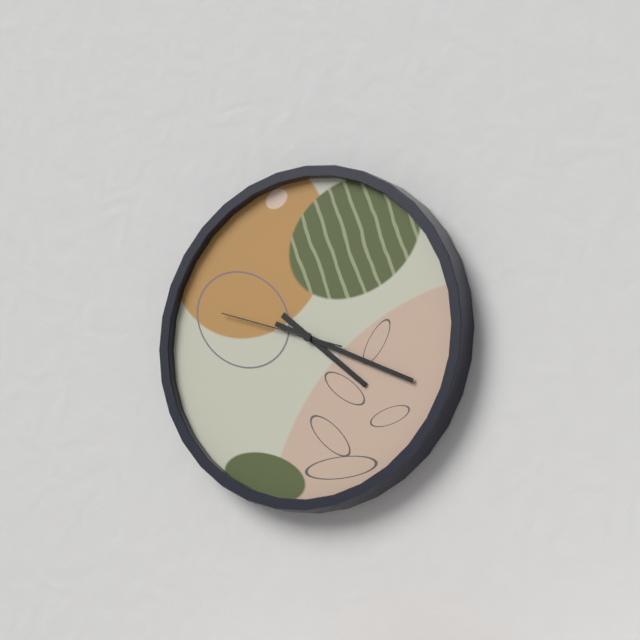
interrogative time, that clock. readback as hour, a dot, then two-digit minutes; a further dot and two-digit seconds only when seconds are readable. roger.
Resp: 4.19.48
